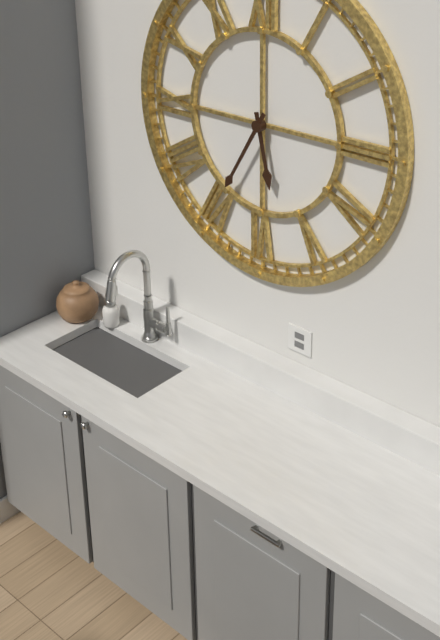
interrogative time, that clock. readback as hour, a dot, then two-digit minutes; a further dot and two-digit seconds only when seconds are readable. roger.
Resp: 5.35
